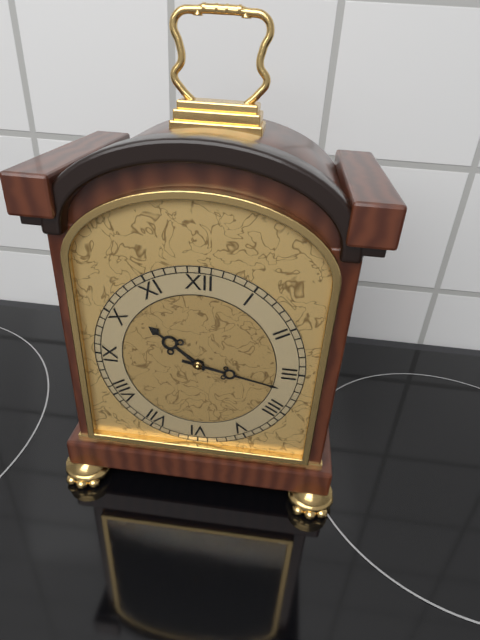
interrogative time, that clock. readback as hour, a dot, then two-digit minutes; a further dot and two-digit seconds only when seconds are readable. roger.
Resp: 10.17
